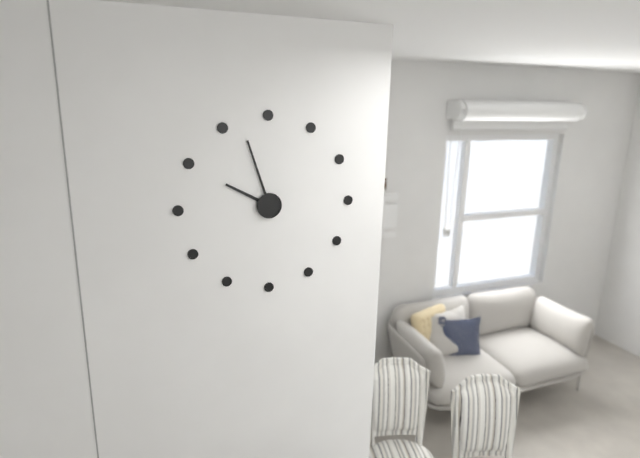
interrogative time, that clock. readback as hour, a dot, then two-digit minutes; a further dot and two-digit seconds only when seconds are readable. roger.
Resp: 9.57
